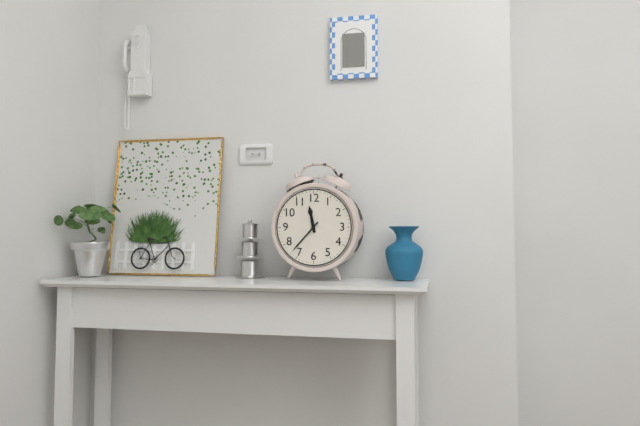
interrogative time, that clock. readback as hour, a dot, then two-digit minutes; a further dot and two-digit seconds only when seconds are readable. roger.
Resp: 11.37
